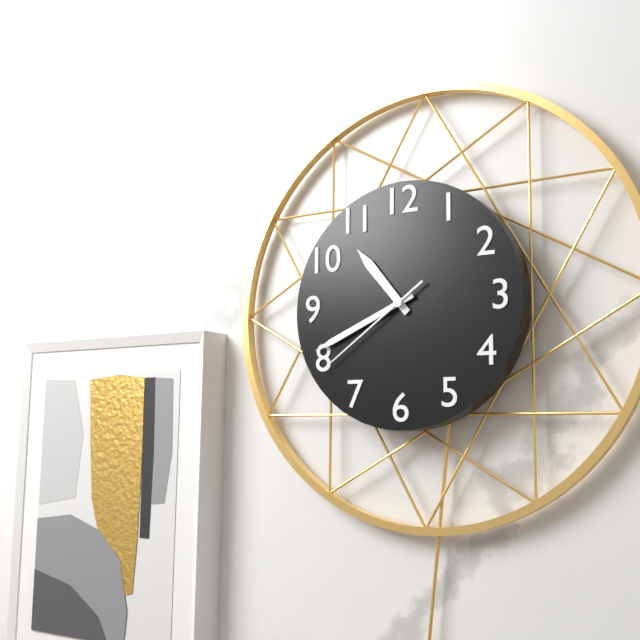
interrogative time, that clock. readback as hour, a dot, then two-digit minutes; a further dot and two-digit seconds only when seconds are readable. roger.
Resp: 10.41.39
